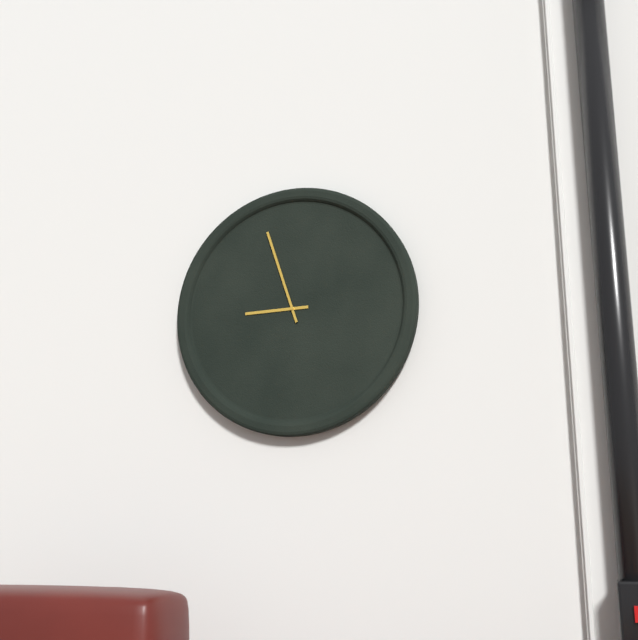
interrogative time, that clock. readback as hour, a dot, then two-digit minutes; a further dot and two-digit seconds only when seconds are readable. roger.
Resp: 8.57
